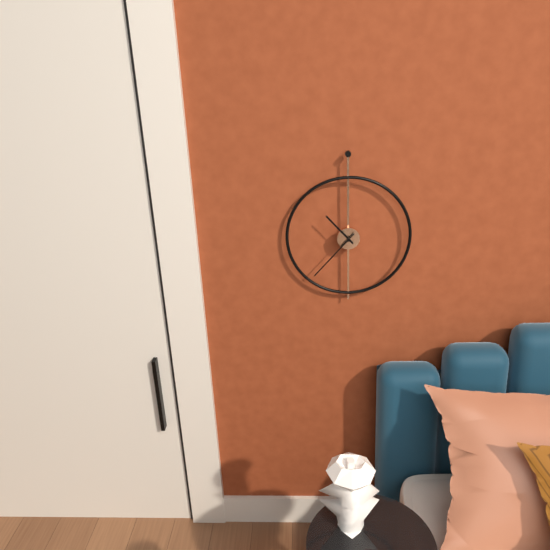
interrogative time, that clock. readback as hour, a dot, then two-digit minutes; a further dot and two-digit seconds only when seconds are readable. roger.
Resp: 10.37
